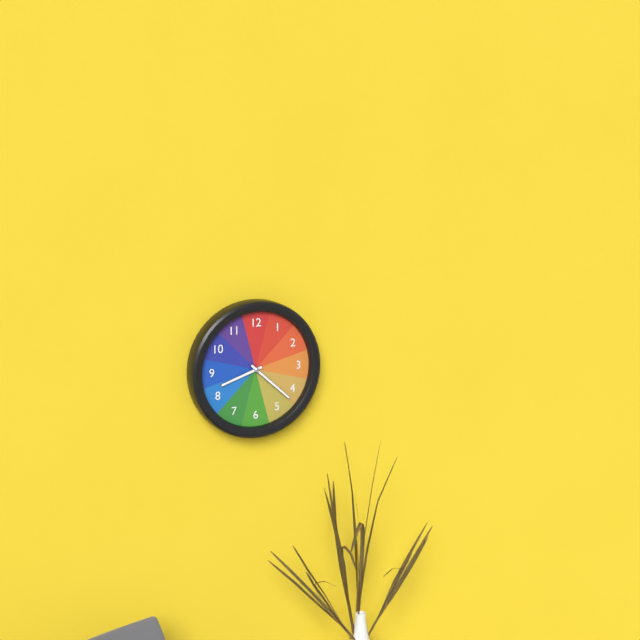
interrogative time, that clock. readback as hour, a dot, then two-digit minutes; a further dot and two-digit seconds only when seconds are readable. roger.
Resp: 8.22
